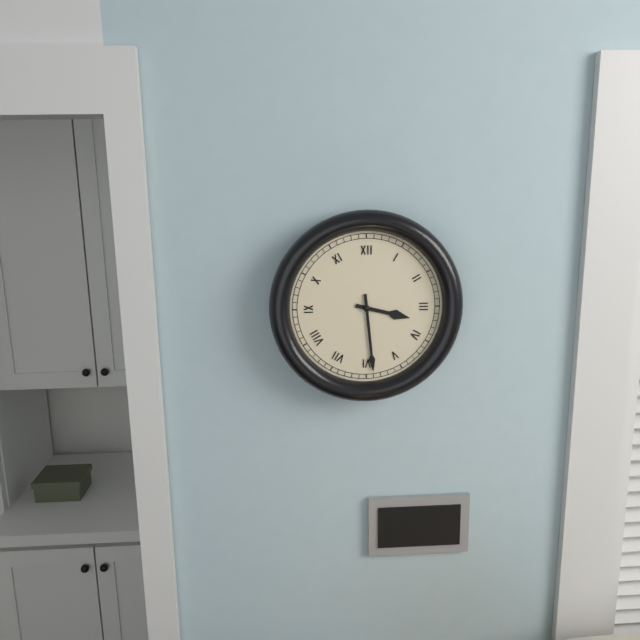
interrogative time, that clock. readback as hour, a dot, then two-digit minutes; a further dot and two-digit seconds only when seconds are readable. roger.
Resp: 3.29
